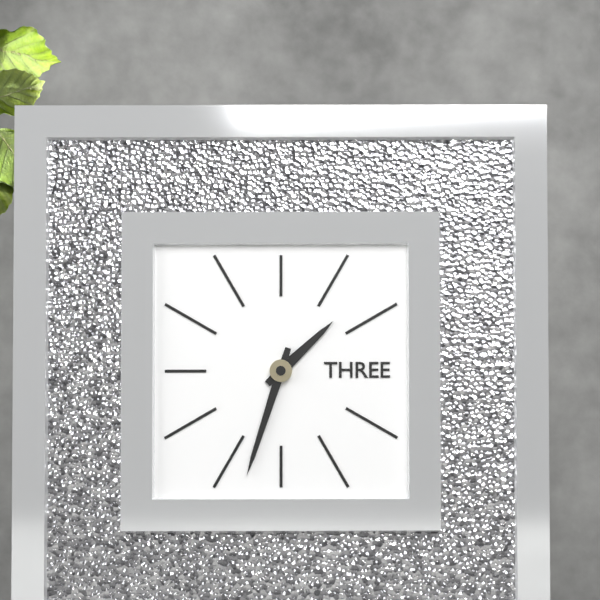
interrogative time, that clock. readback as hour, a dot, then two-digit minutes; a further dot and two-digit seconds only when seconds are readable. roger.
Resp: 1.33
